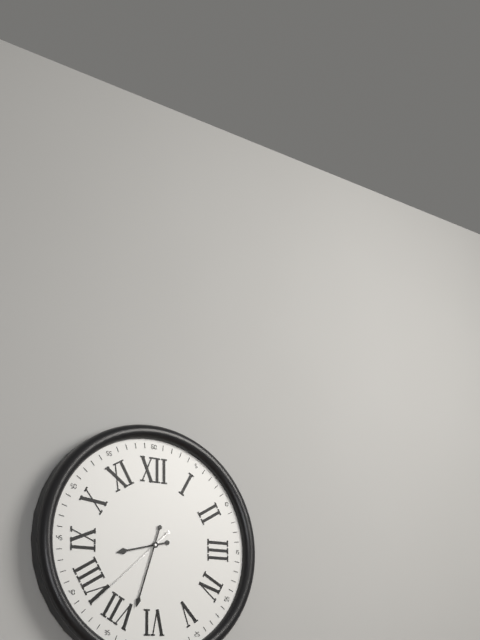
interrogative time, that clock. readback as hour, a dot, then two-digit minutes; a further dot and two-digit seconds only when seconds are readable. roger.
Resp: 8.33.38
